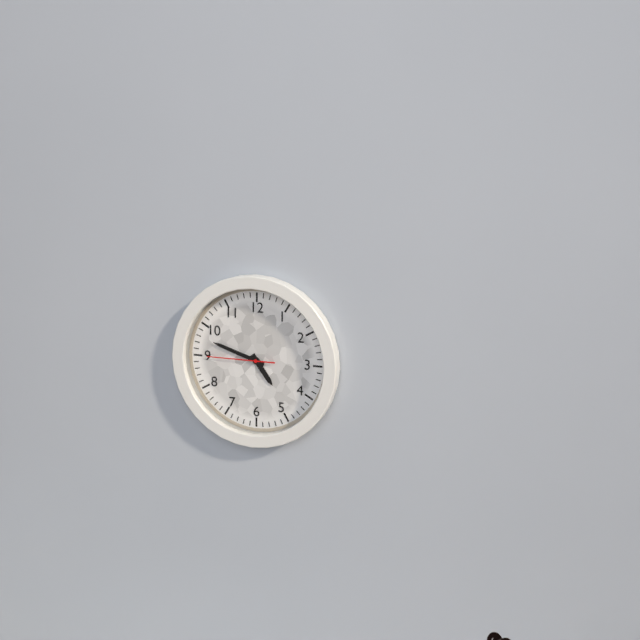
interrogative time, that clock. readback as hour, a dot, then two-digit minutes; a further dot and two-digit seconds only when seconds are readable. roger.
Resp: 4.48.45
